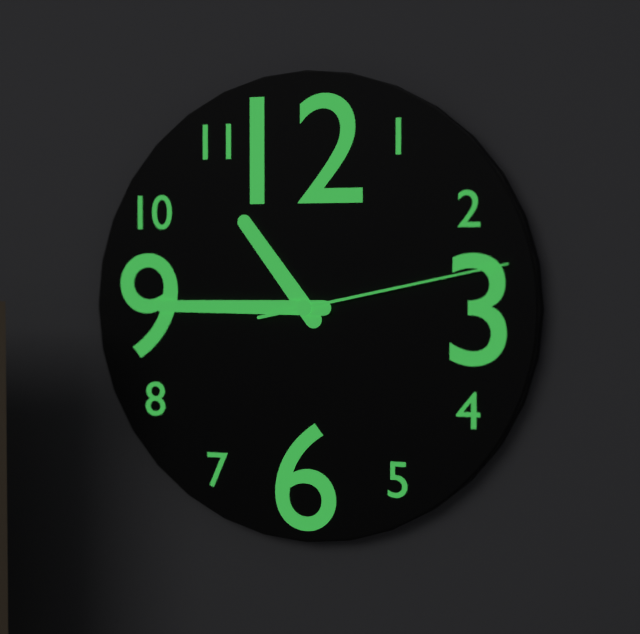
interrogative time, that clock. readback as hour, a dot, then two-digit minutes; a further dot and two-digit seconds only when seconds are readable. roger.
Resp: 10.45.13
